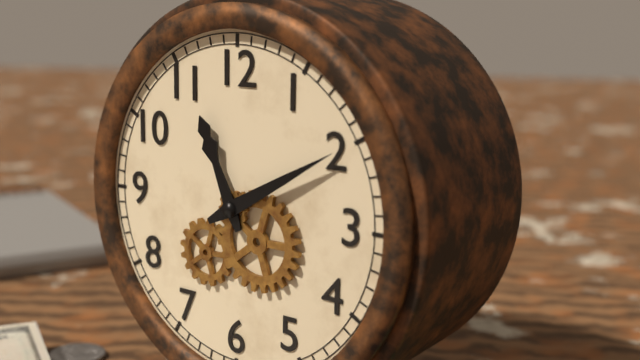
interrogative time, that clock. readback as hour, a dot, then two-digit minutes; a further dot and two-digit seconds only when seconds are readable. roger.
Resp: 11.10
